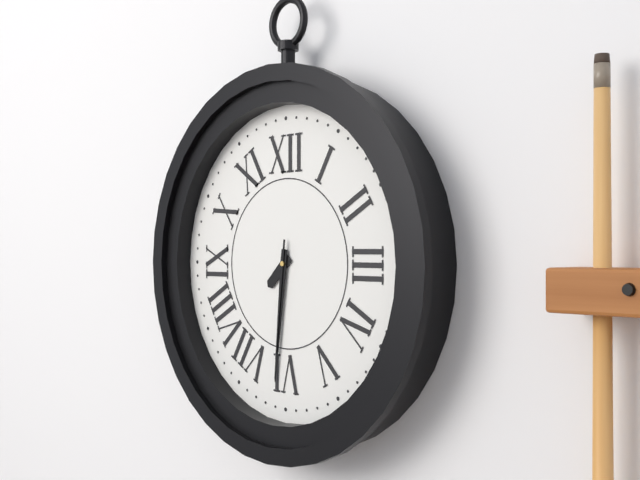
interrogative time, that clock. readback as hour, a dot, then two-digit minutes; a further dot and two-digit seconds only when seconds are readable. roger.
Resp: 7.31.31
